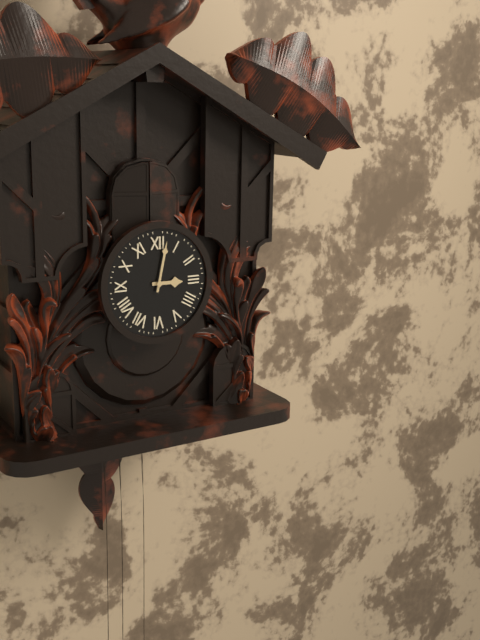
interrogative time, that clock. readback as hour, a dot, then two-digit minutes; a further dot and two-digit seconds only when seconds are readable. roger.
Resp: 3.02
